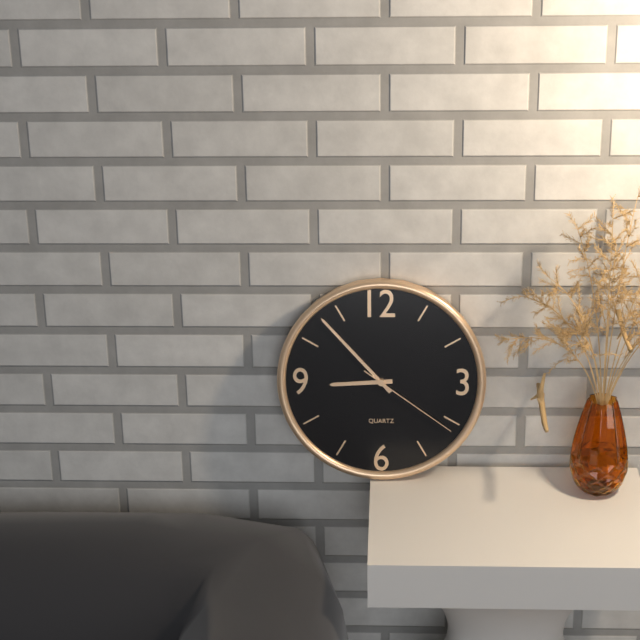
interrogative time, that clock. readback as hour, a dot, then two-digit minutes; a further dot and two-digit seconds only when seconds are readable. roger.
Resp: 8.53.21
